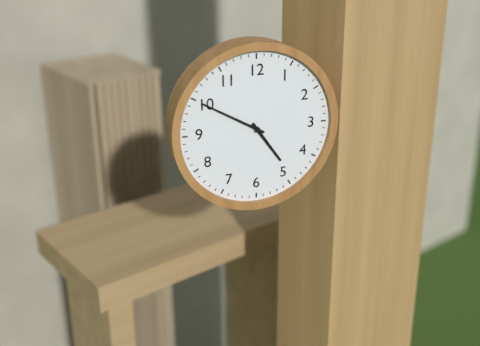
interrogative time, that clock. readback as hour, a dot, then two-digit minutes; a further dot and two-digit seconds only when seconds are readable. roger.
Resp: 4.50
